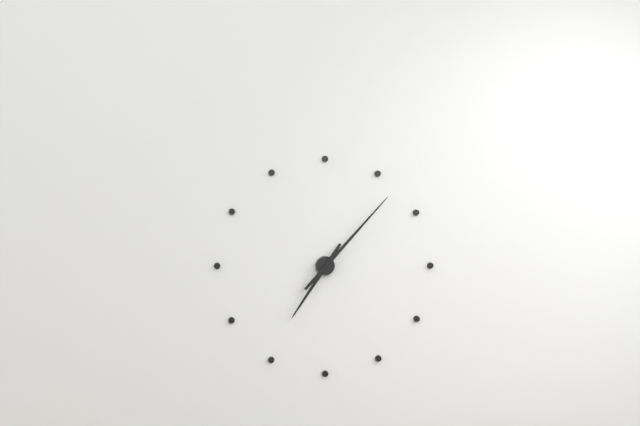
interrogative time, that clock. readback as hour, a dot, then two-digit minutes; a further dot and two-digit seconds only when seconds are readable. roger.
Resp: 7.07
